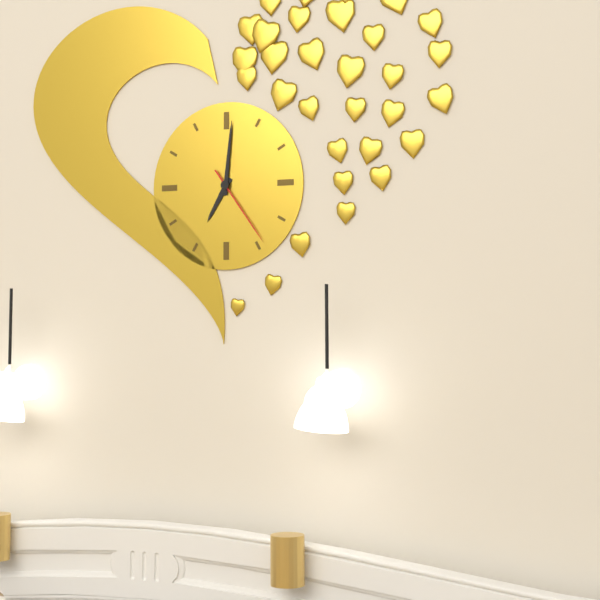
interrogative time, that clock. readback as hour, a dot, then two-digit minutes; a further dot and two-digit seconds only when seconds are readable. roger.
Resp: 7.01.24
